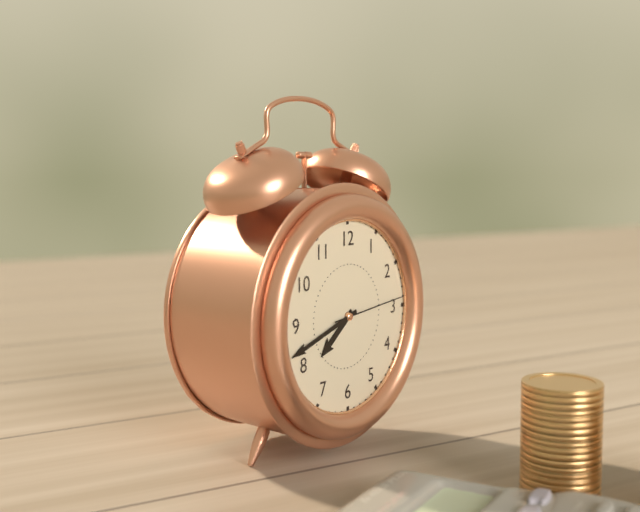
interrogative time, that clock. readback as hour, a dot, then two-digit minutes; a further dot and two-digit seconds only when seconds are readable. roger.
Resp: 7.42.14
